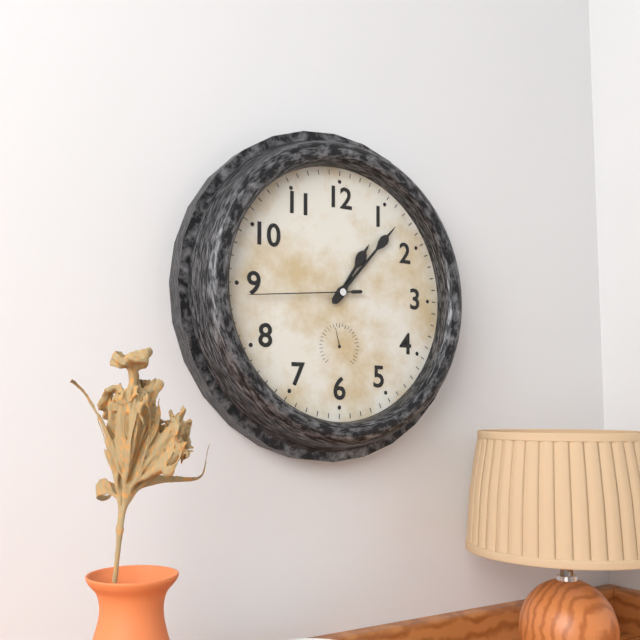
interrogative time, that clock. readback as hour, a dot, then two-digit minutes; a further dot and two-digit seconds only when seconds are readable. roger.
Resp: 1.07.44
